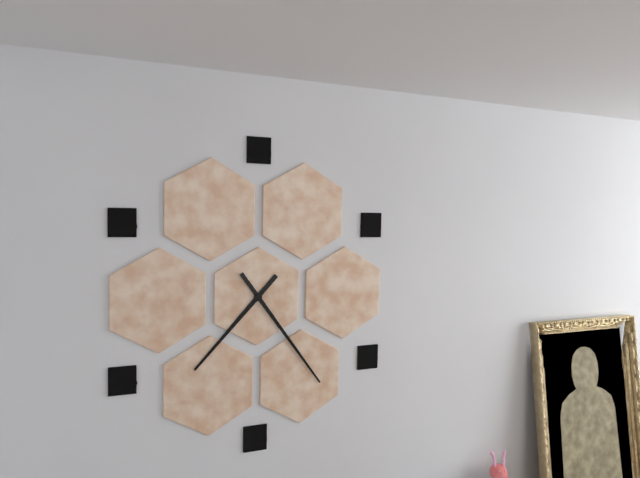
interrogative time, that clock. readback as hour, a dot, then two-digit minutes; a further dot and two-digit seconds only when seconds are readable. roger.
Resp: 7.24
